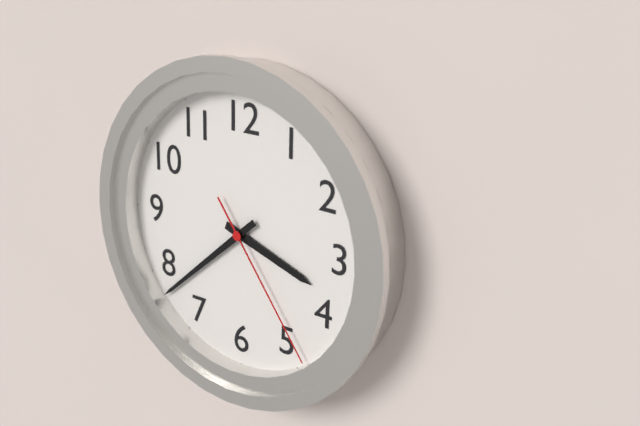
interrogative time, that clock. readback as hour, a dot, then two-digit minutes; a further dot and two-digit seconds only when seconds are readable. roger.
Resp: 3.38.24
